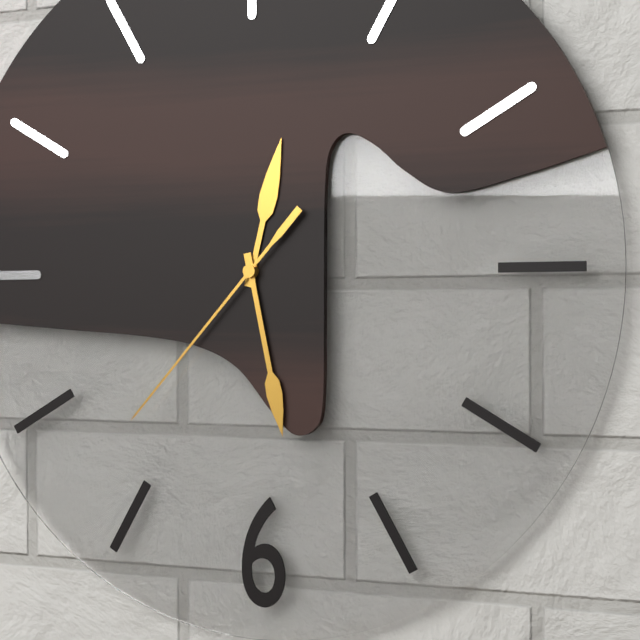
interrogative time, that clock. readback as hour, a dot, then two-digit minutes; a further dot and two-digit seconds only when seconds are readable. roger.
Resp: 12.28.37
